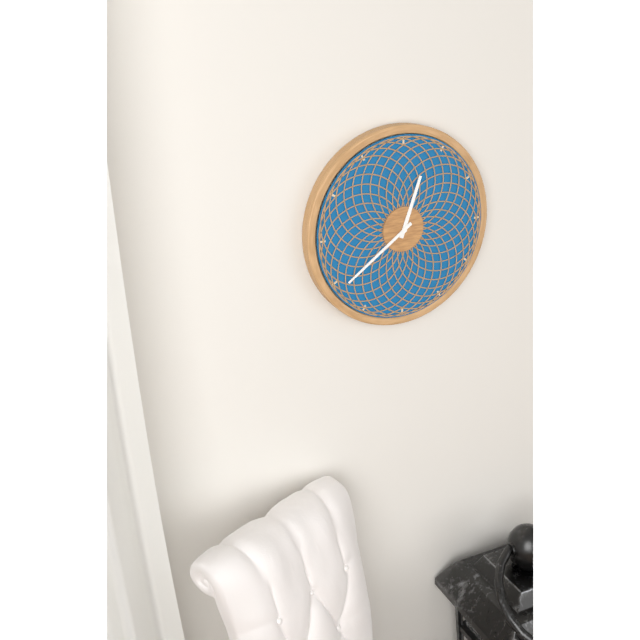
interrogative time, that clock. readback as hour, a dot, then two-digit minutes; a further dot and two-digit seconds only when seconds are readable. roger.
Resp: 12.39
